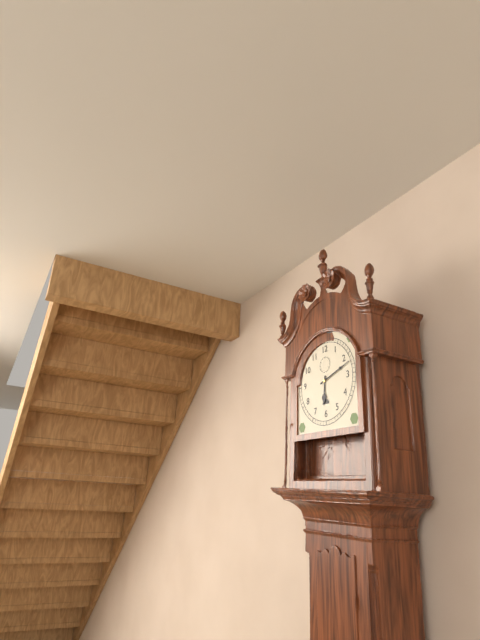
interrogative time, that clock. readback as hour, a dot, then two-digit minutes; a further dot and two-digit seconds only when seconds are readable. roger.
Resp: 6.12
